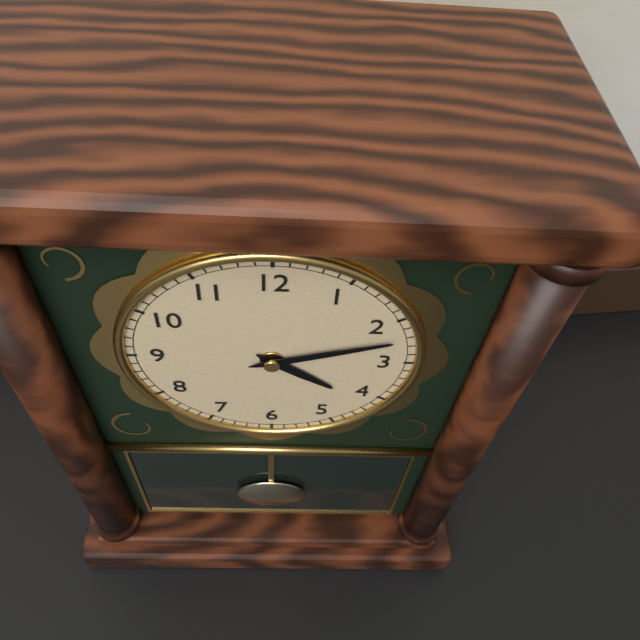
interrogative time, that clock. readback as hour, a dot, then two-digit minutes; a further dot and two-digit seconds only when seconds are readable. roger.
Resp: 4.12
